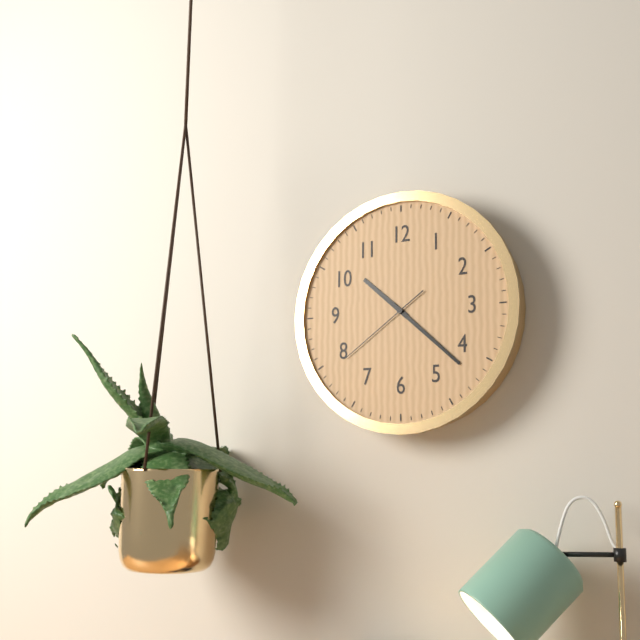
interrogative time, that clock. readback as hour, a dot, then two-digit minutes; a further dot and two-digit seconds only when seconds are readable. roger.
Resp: 10.22.39
